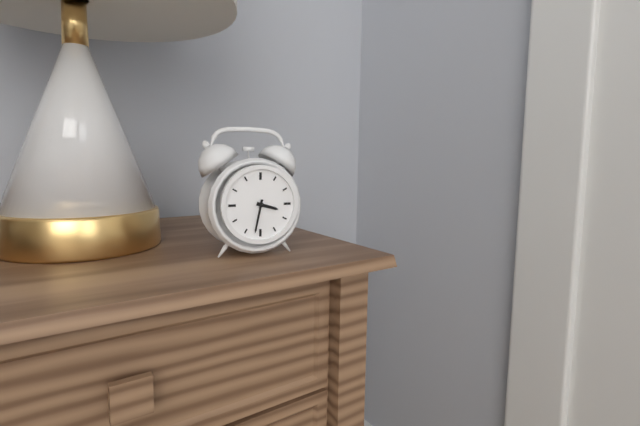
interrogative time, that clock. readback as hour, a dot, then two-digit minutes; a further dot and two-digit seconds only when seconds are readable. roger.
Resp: 3.32
